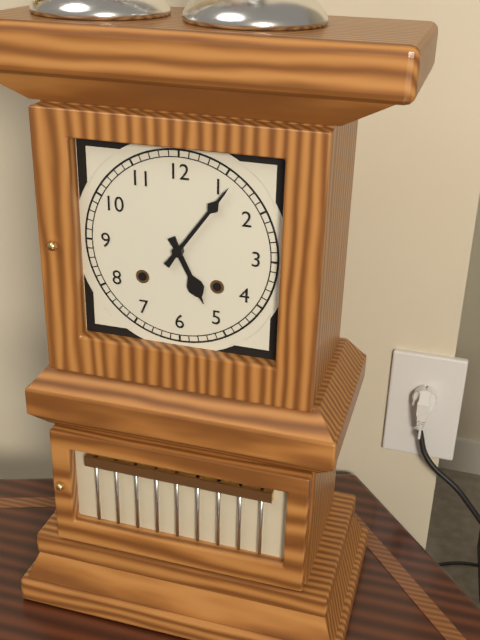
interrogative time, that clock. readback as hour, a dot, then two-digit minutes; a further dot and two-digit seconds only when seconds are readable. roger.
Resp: 5.06
